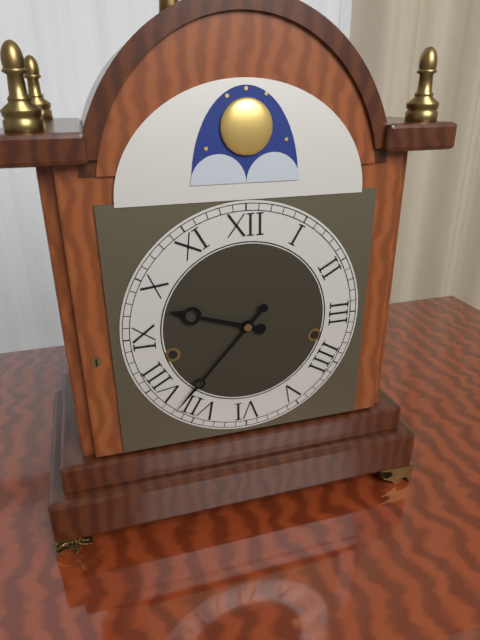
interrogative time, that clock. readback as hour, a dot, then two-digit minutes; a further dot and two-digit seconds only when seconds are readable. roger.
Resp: 9.37
